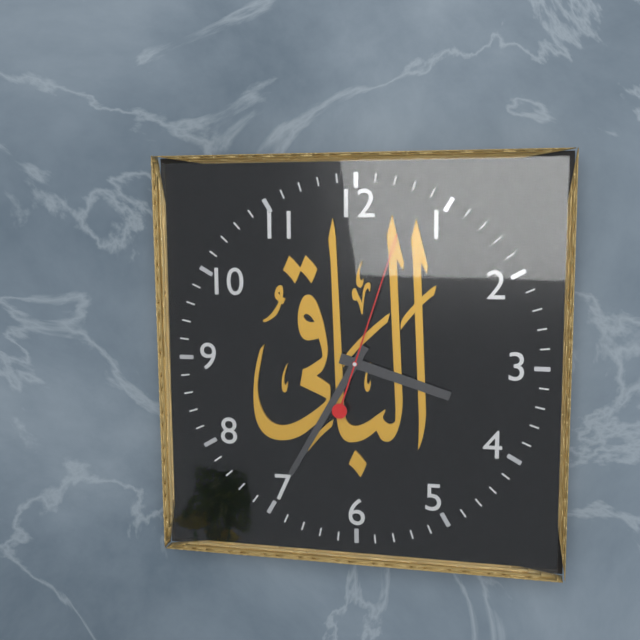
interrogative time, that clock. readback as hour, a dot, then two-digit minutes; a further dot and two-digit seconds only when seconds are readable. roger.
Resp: 3.35.03
